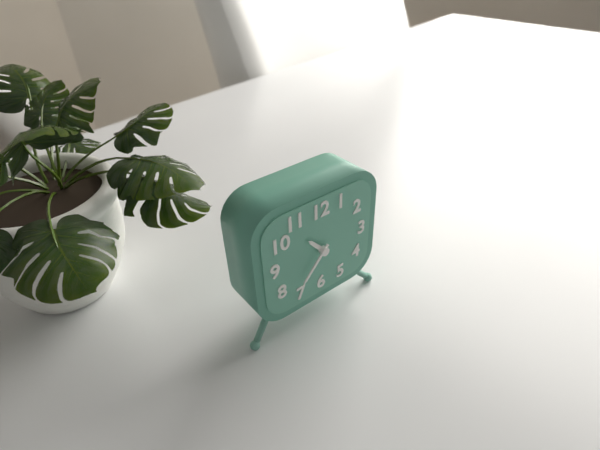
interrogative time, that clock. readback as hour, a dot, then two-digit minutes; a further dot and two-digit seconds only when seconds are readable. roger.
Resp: 10.37
